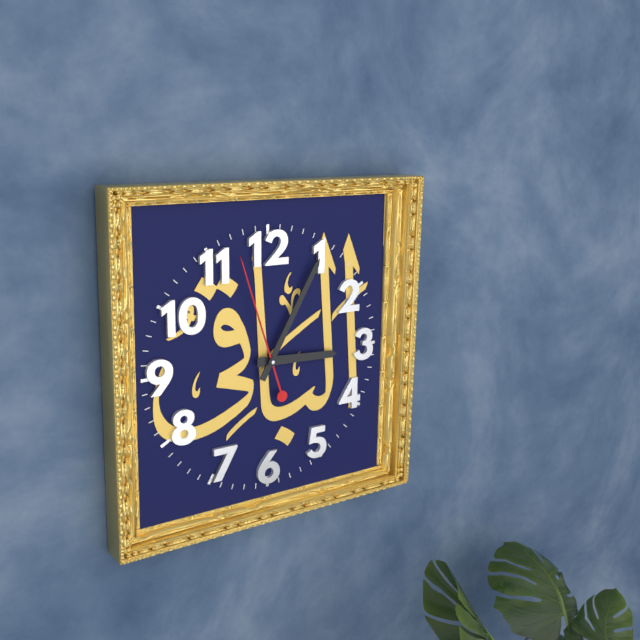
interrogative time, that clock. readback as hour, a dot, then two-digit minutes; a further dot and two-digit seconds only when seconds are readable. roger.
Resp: 3.05.57
